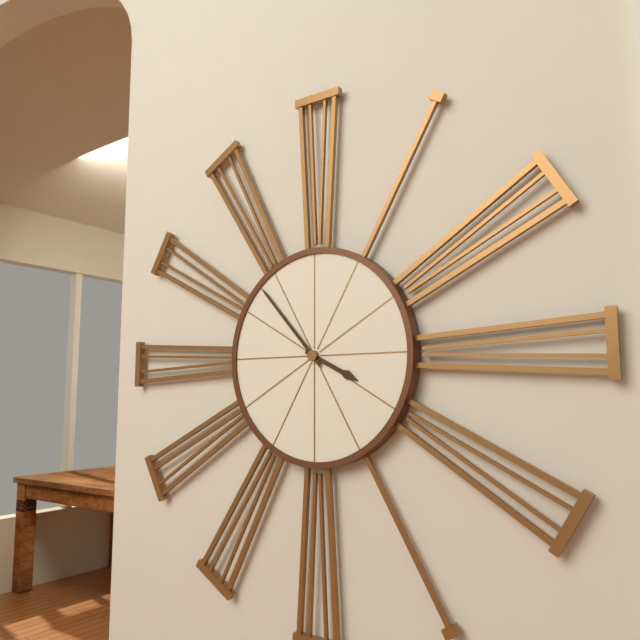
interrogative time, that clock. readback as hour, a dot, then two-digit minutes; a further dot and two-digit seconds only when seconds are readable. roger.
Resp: 3.53
